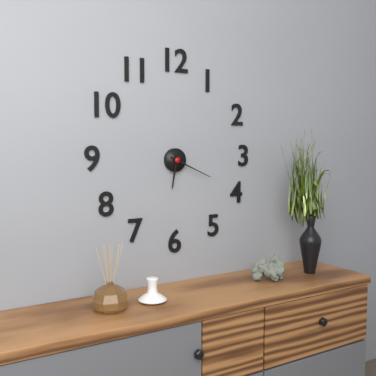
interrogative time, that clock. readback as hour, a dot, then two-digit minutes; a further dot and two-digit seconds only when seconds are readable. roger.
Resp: 6.19
